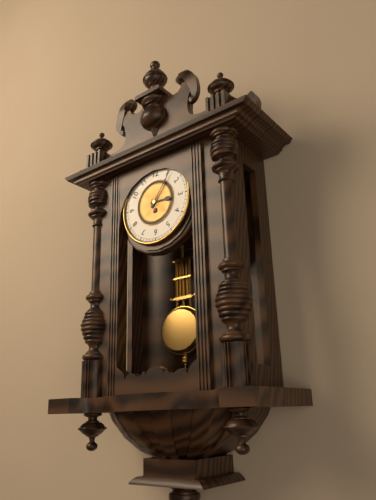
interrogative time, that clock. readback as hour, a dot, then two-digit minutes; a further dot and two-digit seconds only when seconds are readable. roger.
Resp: 3.06
